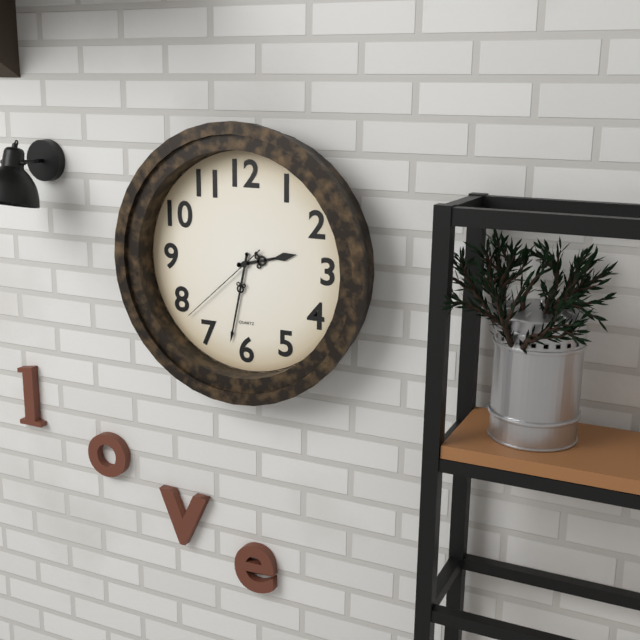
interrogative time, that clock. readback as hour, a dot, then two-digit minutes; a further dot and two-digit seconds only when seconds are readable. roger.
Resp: 2.32.38
